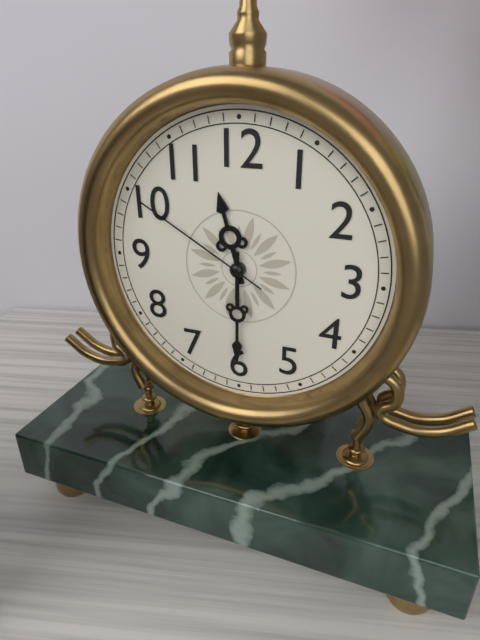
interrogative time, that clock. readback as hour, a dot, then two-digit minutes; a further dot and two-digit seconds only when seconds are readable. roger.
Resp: 11.30.50
